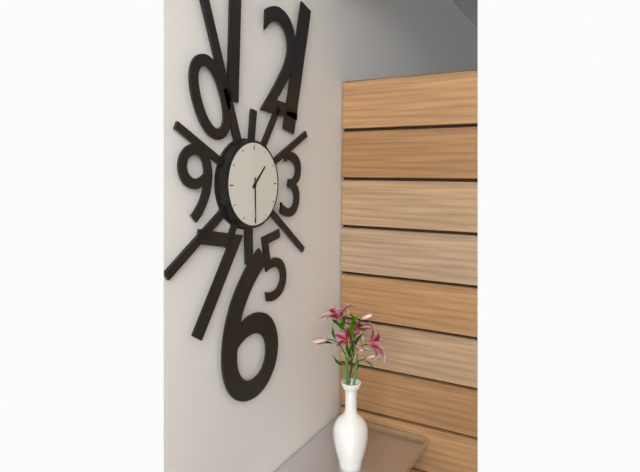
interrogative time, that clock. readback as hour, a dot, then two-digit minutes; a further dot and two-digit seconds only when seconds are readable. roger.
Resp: 1.30
